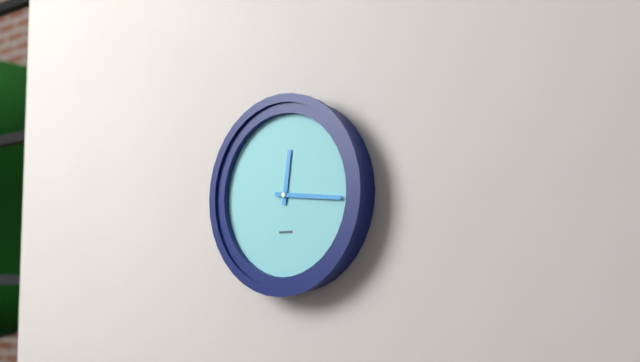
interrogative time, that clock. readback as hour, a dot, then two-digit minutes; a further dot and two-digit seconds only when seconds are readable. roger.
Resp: 12.16
